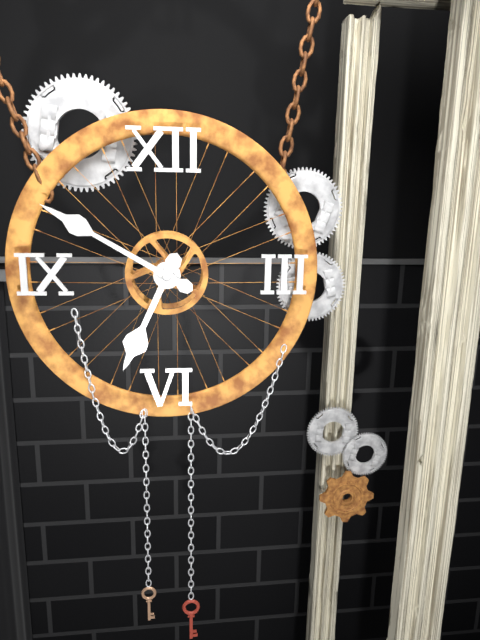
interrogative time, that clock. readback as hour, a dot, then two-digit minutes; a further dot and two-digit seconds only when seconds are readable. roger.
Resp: 6.50
